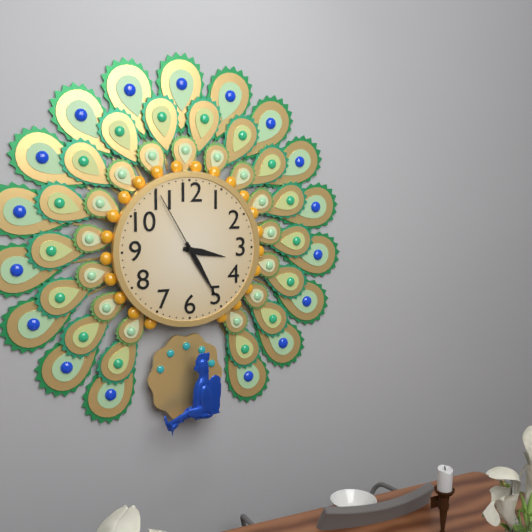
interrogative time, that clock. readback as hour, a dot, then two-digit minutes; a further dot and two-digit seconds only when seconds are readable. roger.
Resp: 3.25.55
